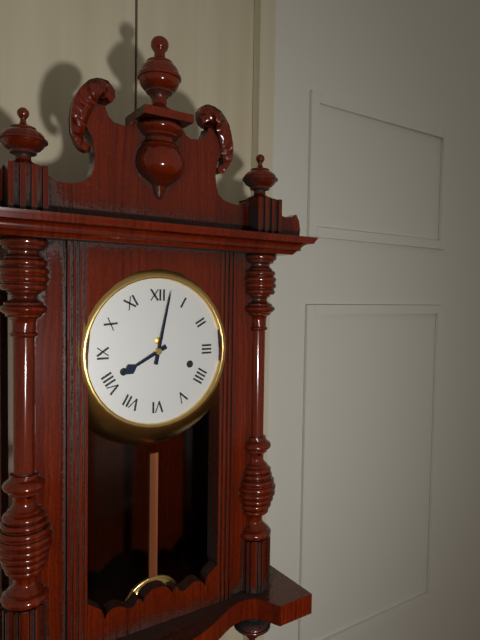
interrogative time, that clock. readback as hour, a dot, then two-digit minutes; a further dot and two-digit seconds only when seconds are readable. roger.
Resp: 8.02
